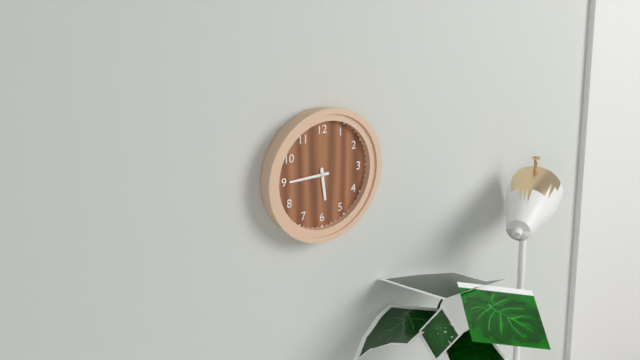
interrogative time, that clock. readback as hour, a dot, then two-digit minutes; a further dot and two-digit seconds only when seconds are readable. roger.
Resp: 5.45
